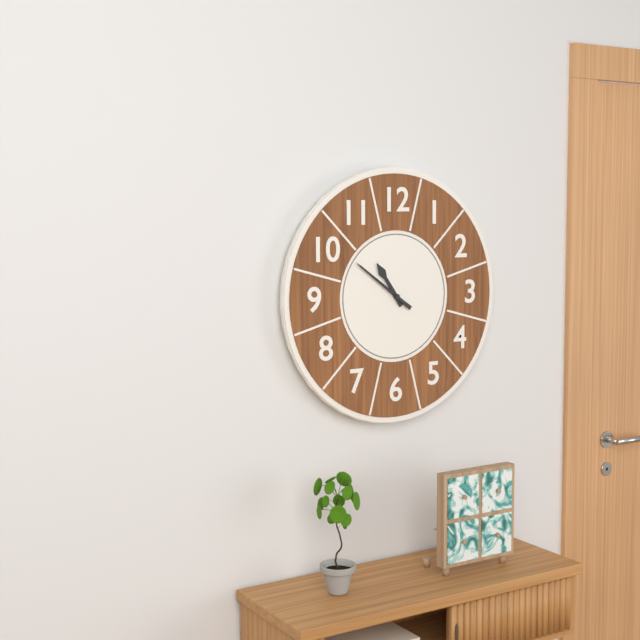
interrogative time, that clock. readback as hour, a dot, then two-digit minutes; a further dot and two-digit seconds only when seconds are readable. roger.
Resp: 10.51
